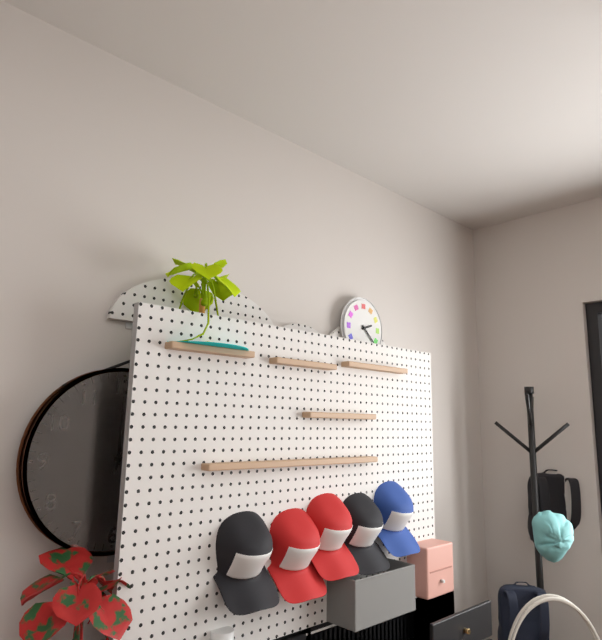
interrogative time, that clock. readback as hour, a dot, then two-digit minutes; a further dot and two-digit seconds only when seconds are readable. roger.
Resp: 2.22
